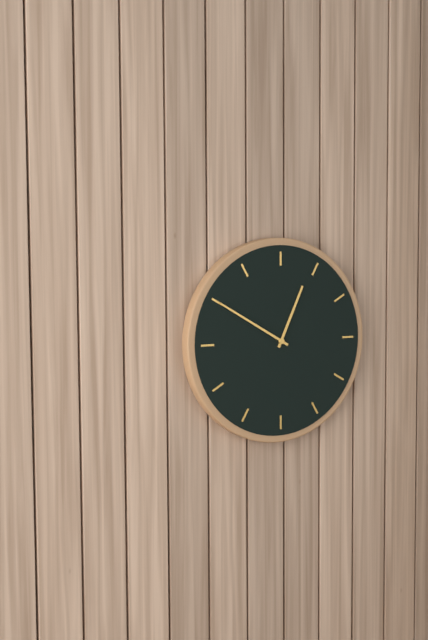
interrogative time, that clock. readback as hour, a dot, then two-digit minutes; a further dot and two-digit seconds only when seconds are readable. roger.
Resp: 12.50
